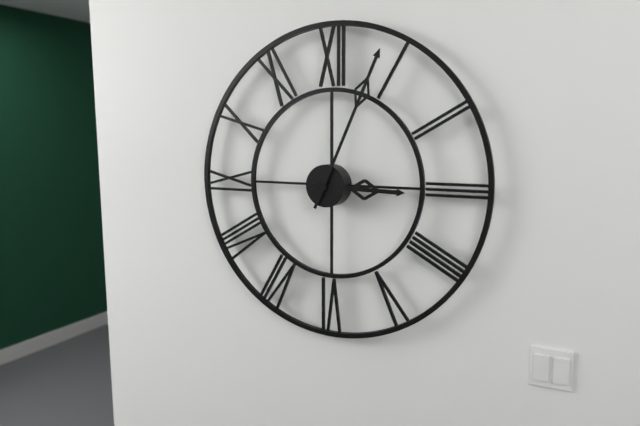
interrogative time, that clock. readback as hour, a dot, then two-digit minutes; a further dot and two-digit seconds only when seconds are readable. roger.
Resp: 3.04
